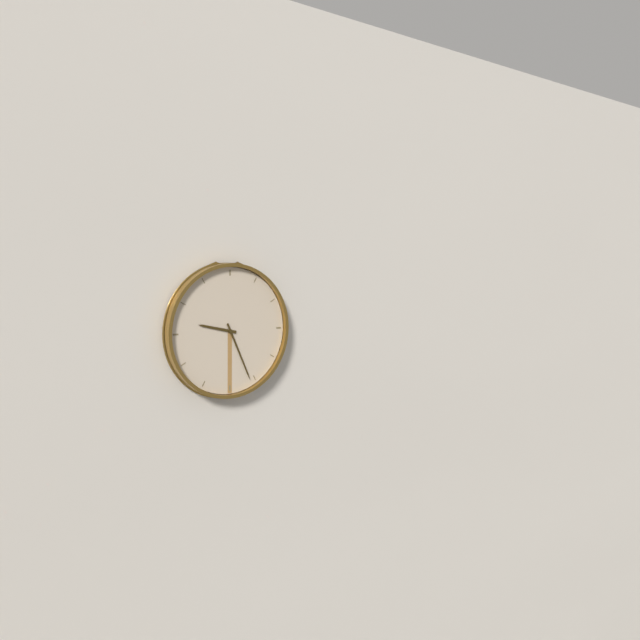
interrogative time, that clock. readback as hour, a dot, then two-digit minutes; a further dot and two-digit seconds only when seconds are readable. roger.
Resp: 9.26
